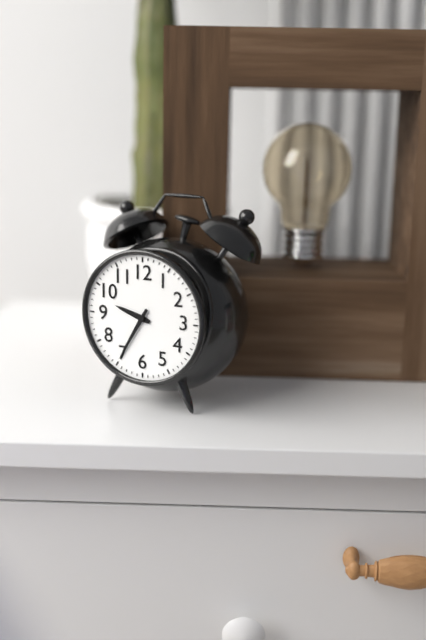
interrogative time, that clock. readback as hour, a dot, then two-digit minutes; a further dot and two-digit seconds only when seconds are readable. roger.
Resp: 9.35
